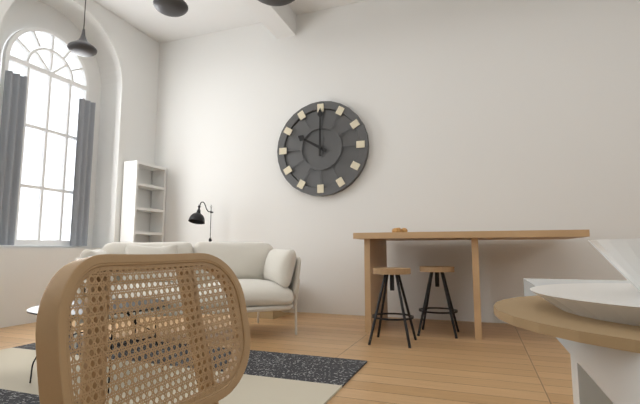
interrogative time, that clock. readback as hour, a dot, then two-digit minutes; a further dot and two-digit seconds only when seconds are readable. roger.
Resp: 10.00
